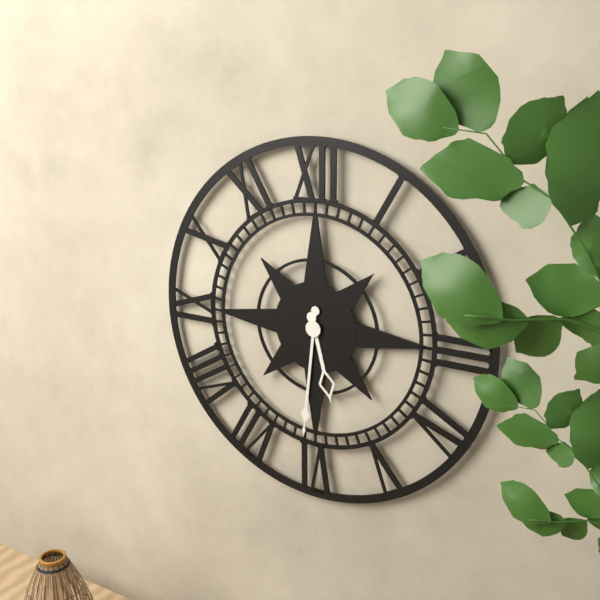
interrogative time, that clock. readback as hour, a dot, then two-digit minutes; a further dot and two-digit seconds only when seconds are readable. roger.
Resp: 5.31
